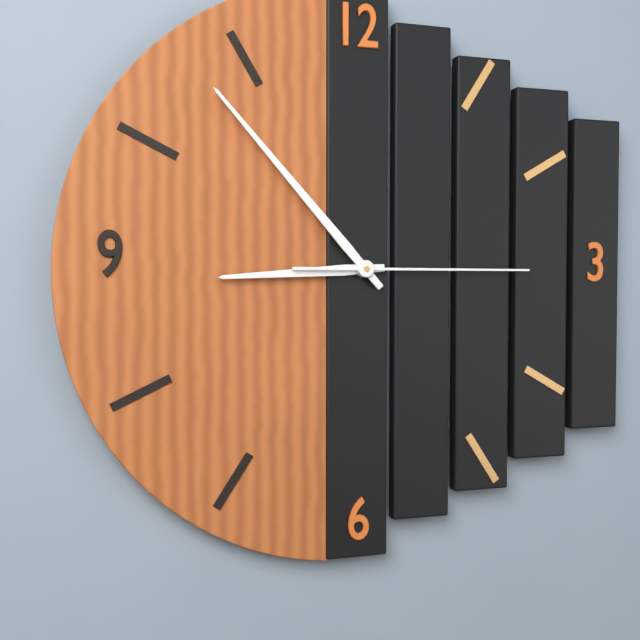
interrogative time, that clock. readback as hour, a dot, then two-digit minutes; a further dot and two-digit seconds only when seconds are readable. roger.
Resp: 8.53.15
